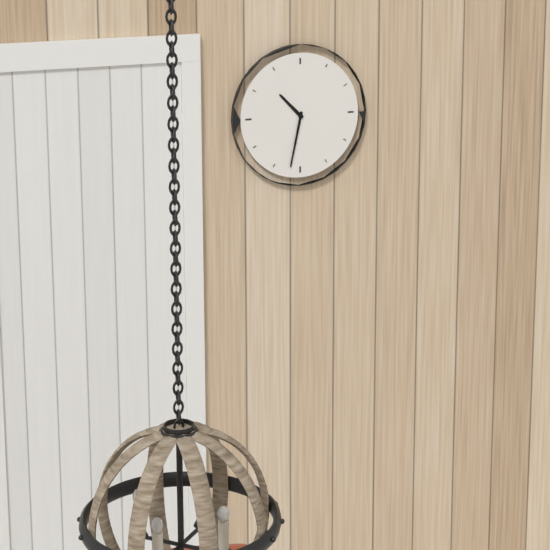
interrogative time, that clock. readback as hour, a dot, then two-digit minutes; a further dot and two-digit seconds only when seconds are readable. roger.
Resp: 10.32
